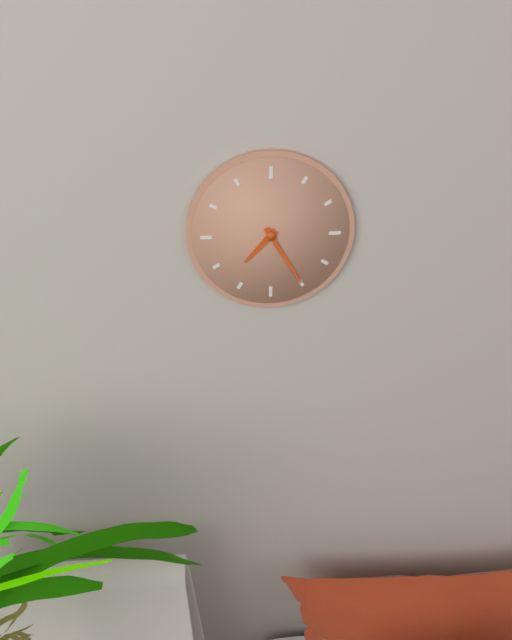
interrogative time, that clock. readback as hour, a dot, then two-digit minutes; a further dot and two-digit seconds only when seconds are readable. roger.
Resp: 7.25
